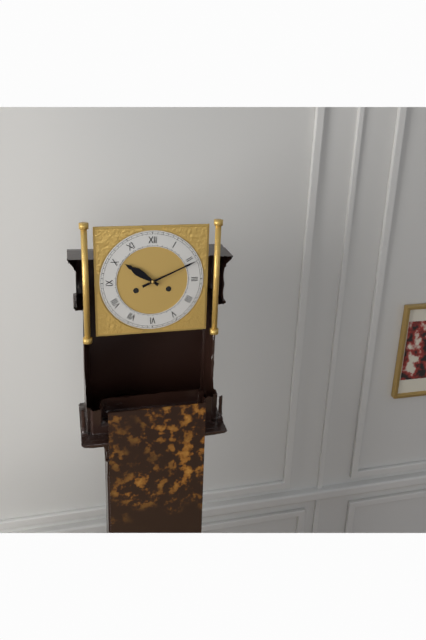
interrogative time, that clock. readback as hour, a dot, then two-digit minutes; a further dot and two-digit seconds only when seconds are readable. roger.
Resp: 10.11
